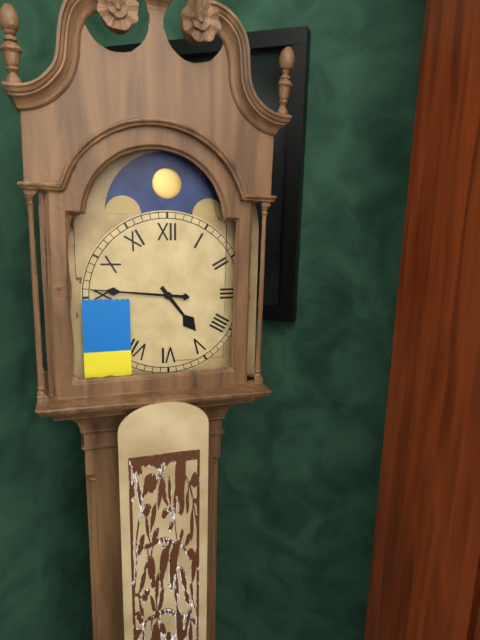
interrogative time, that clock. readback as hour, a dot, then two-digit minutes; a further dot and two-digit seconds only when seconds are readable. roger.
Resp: 4.46
